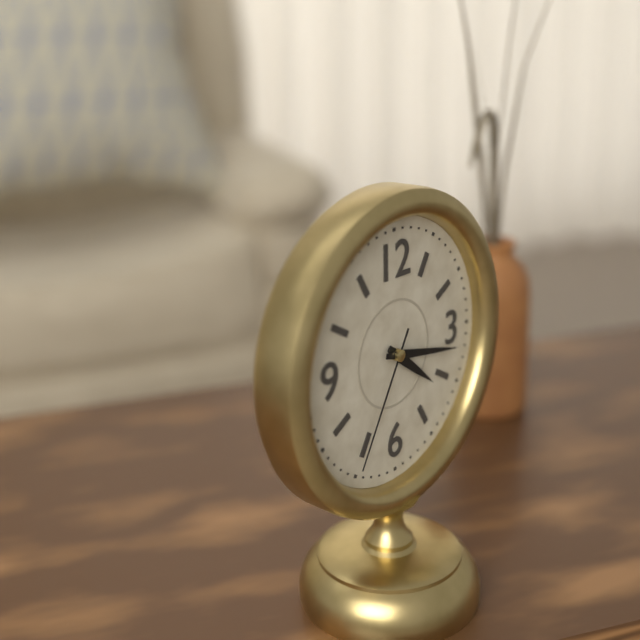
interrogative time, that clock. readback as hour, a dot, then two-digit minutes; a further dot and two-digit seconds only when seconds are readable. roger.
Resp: 4.17.35
